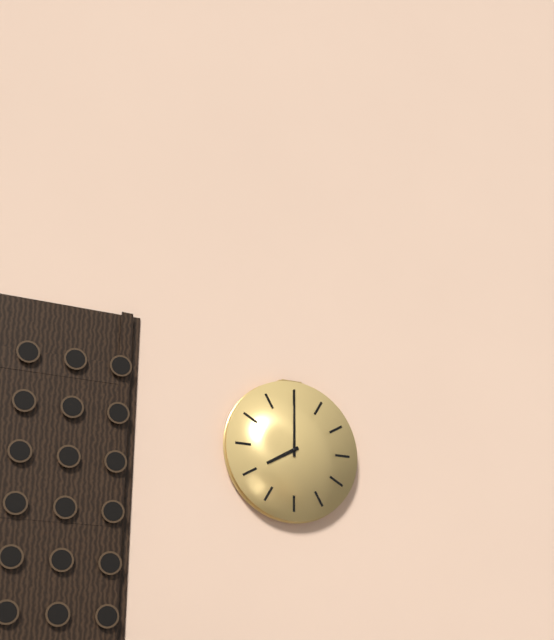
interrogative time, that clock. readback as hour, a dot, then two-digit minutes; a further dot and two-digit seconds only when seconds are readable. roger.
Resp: 8.00
